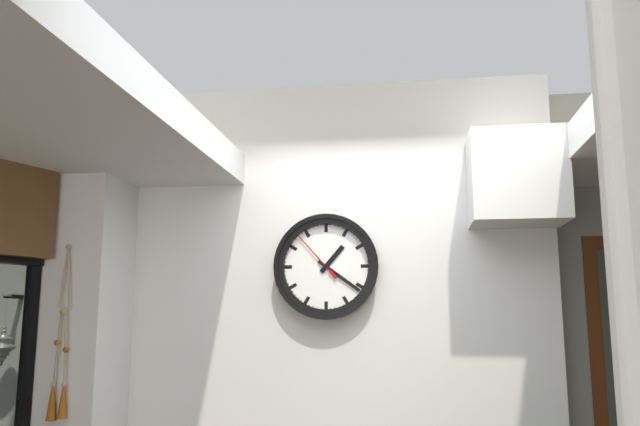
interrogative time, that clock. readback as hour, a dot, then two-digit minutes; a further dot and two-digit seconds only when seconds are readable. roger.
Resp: 1.21.53
